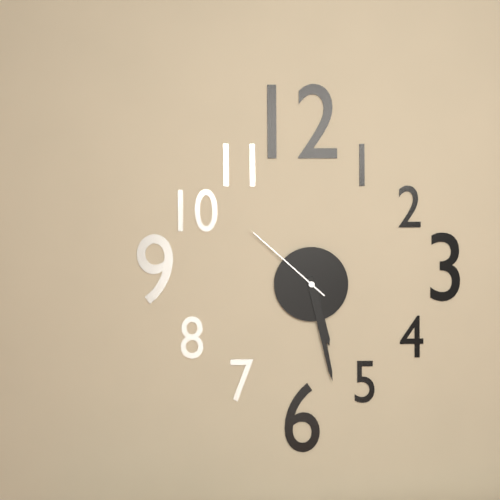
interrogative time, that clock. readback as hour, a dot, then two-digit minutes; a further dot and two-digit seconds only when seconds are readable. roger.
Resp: 5.28.52
